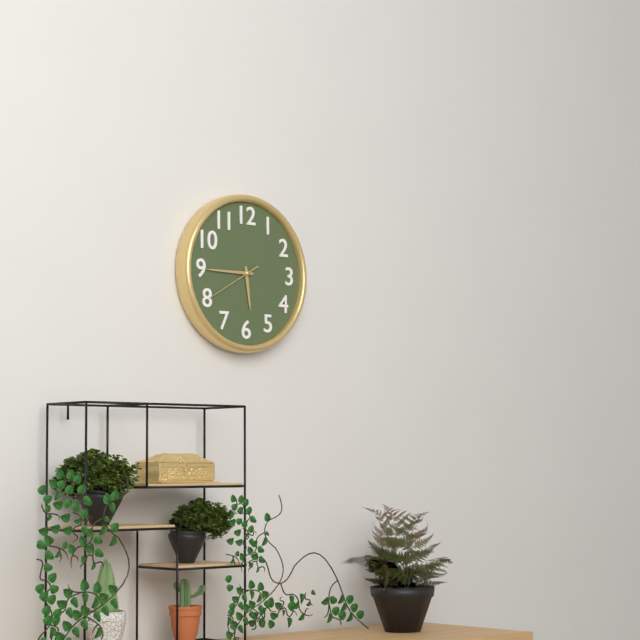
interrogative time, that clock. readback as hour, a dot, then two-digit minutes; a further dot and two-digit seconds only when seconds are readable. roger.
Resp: 5.45.40
